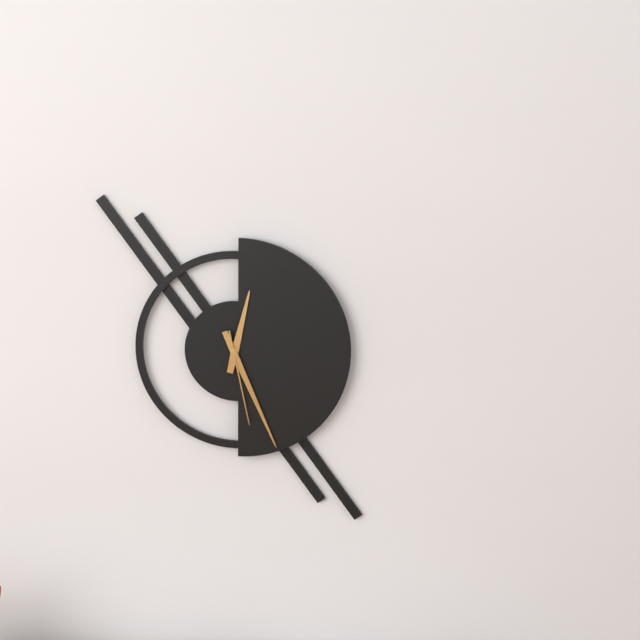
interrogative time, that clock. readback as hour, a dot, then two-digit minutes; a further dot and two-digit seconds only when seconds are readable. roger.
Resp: 12.26.28
